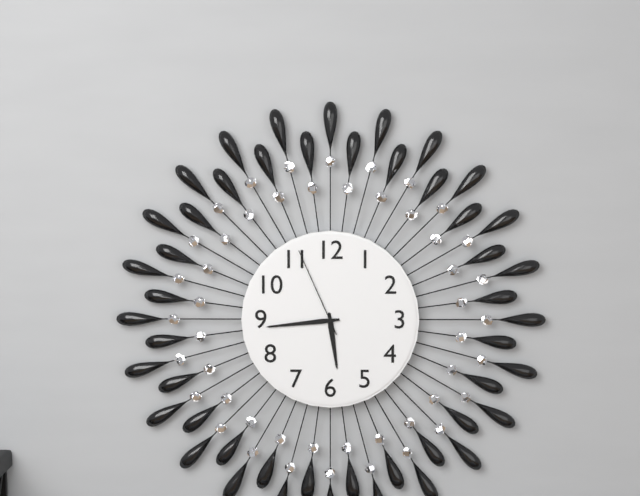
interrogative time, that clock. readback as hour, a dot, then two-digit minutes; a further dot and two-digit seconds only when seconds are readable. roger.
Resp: 5.44.56
